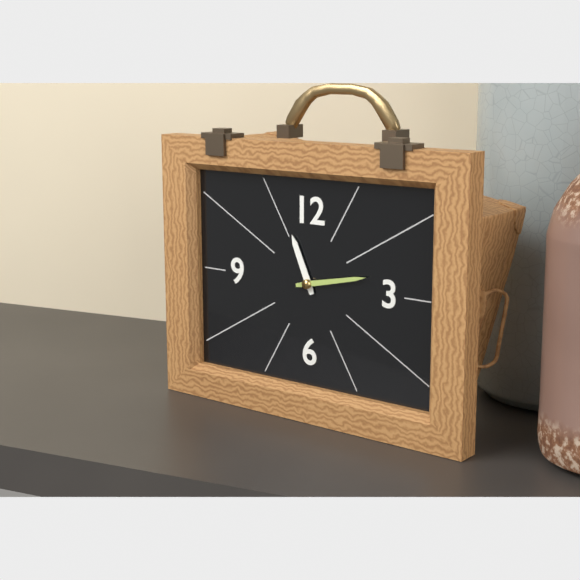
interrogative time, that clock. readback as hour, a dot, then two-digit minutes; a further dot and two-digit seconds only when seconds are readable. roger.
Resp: 11.13
